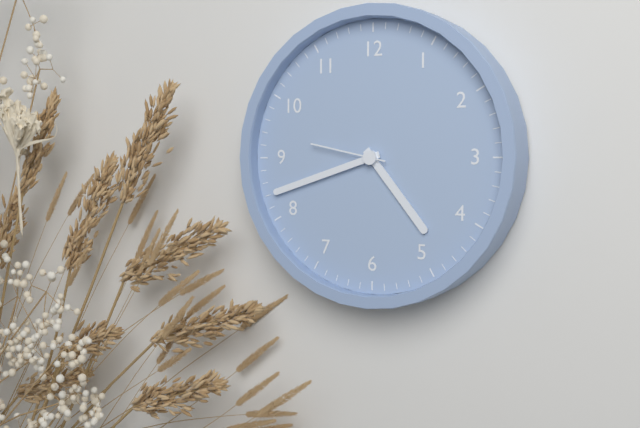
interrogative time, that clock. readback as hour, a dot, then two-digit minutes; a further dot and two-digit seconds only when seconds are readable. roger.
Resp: 4.42.47
